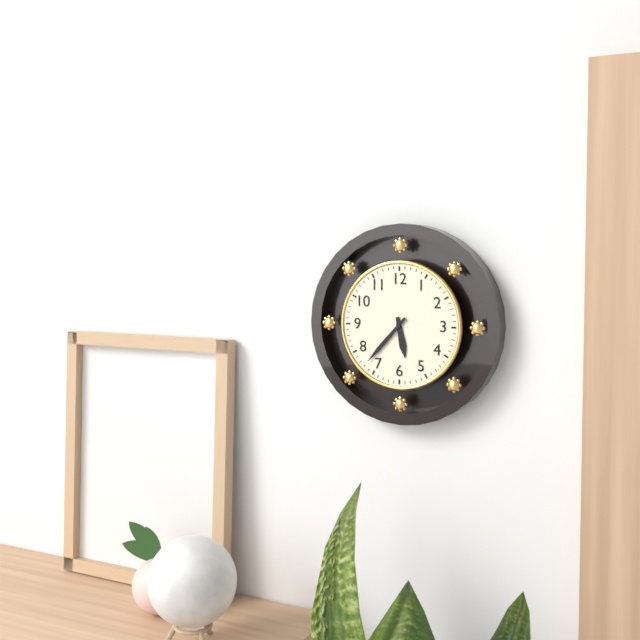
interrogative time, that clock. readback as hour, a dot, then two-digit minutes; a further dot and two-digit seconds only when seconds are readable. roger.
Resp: 5.37
